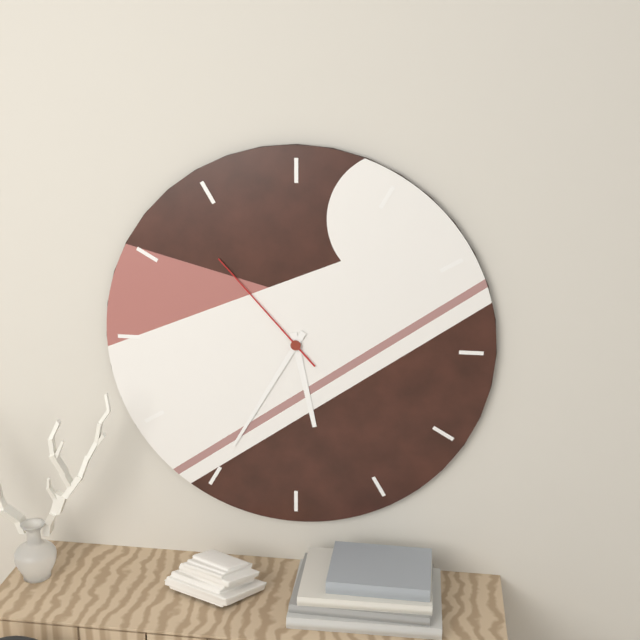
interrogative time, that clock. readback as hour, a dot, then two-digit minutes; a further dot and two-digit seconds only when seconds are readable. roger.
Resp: 5.35.53
